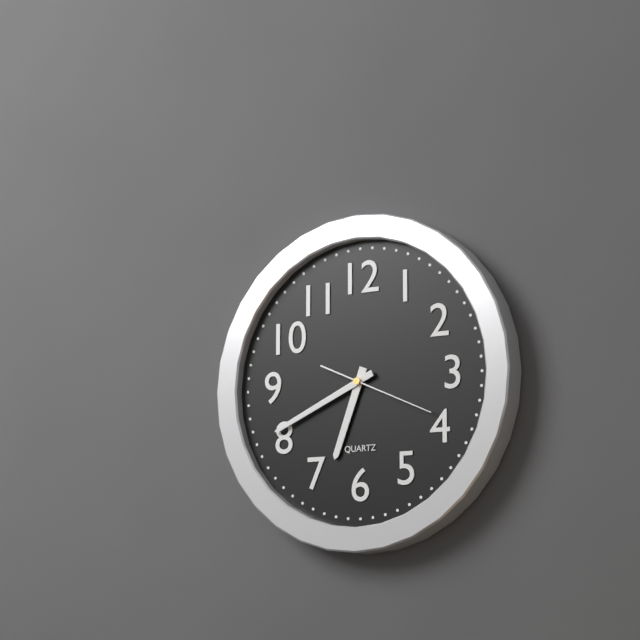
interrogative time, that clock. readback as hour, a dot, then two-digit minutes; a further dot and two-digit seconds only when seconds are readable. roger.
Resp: 6.41.19
